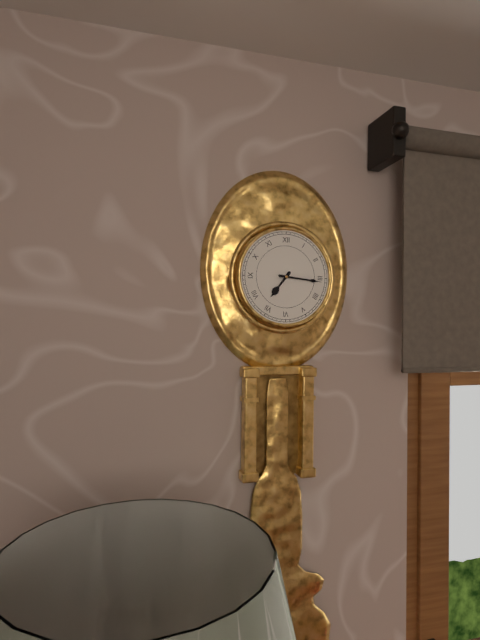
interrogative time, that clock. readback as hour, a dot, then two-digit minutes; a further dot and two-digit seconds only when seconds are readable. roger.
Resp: 7.16
